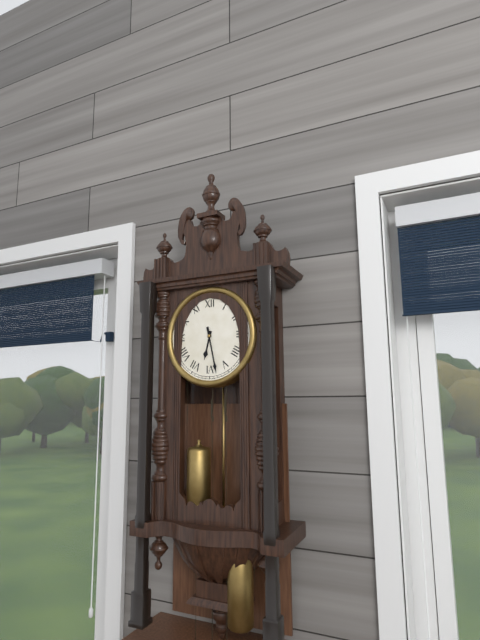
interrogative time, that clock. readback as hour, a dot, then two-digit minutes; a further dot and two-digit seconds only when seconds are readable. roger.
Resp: 6.28
